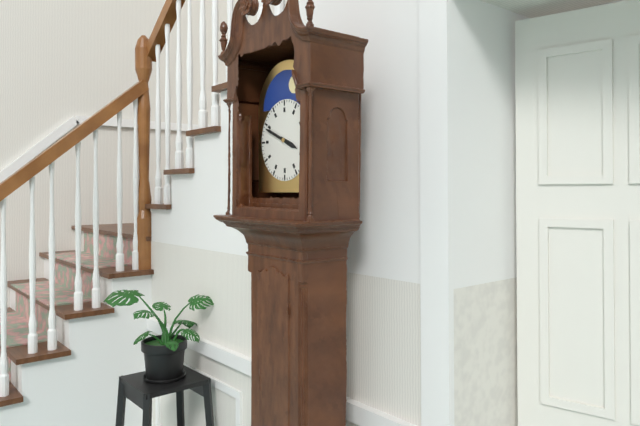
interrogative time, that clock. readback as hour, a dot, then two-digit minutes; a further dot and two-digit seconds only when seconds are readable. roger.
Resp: 3.49
